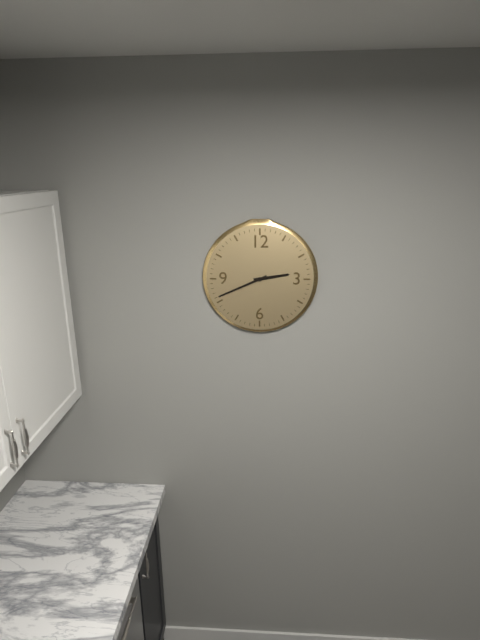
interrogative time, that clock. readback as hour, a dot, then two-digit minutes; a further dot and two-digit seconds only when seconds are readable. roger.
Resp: 2.41
